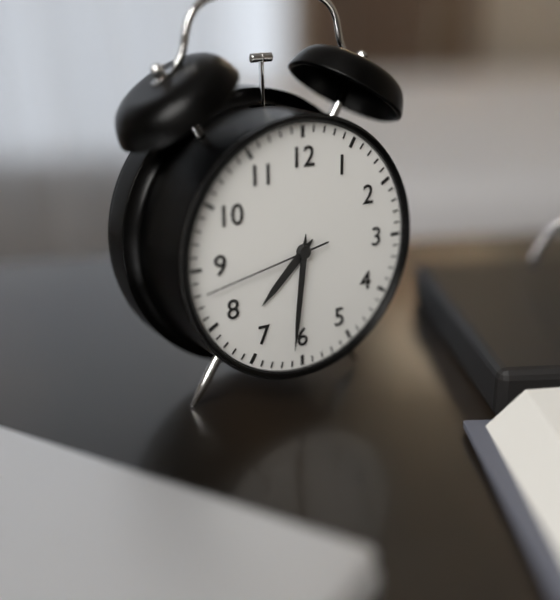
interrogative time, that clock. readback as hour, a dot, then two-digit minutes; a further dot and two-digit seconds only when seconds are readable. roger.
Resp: 7.31.43
